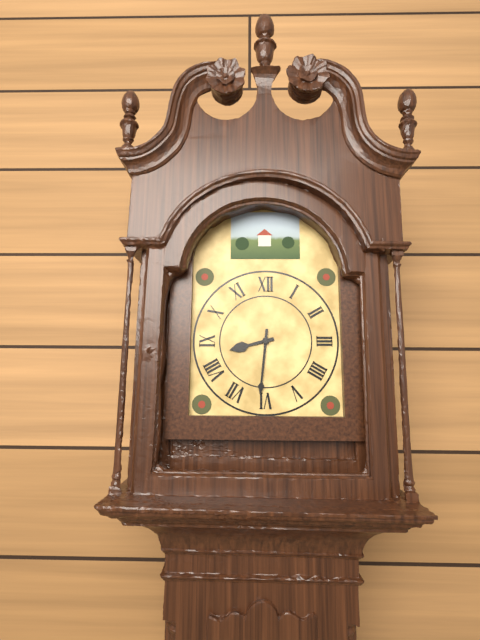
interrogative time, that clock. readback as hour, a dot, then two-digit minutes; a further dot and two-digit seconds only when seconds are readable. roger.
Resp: 8.31
